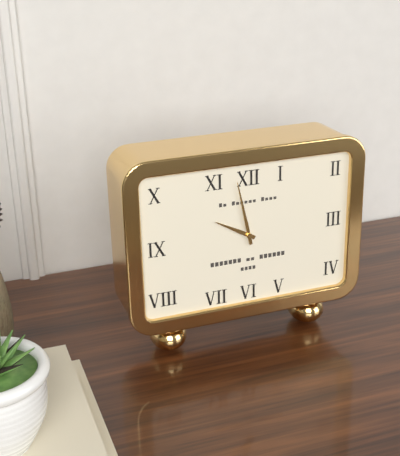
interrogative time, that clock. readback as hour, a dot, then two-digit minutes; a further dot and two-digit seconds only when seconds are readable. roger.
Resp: 9.58
